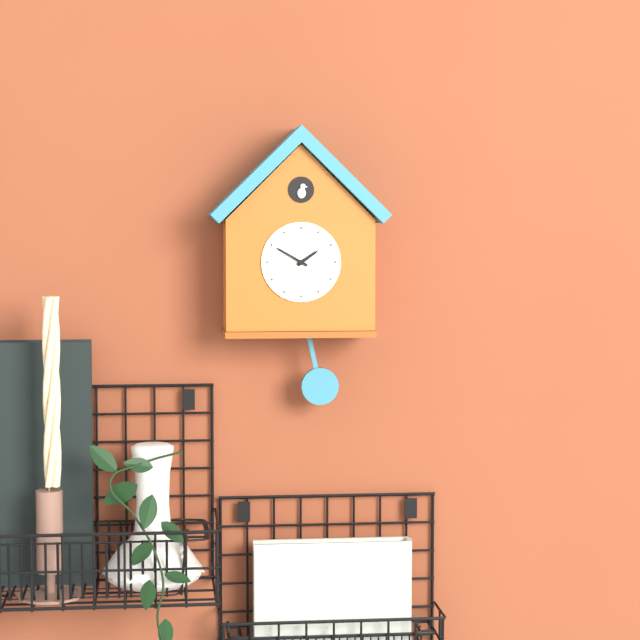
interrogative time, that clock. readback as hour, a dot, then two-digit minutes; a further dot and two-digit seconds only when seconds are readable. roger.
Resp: 1.50
